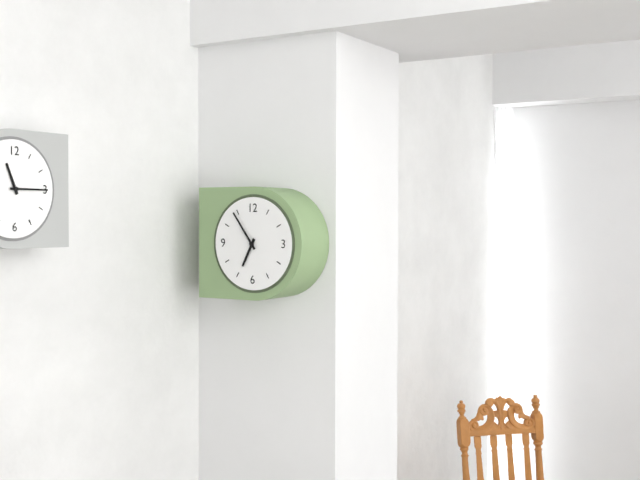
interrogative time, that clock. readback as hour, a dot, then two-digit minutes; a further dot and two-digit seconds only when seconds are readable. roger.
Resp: 6.54
